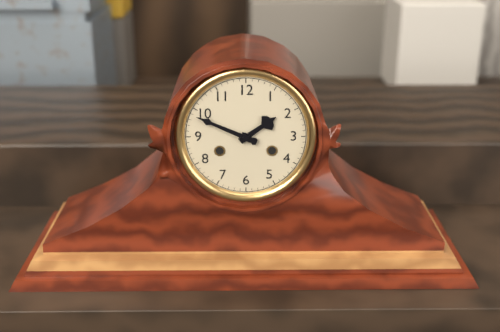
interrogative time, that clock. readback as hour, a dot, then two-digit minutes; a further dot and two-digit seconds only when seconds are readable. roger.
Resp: 1.49
